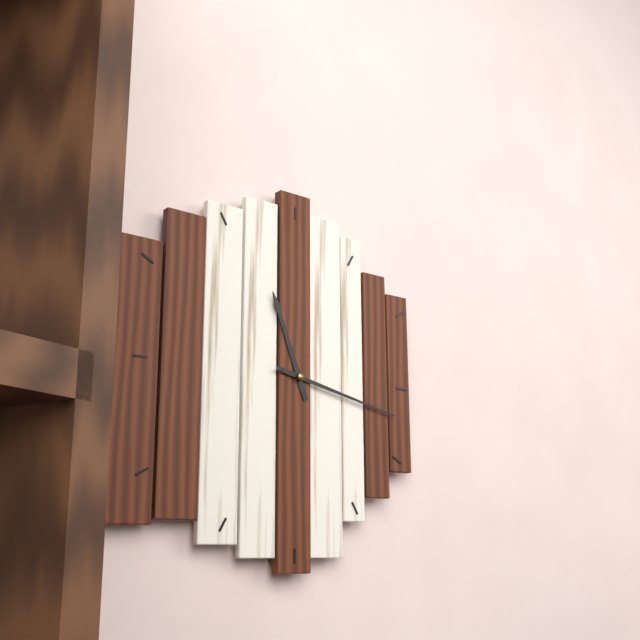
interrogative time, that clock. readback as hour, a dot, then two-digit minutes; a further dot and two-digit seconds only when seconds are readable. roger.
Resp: 11.17
